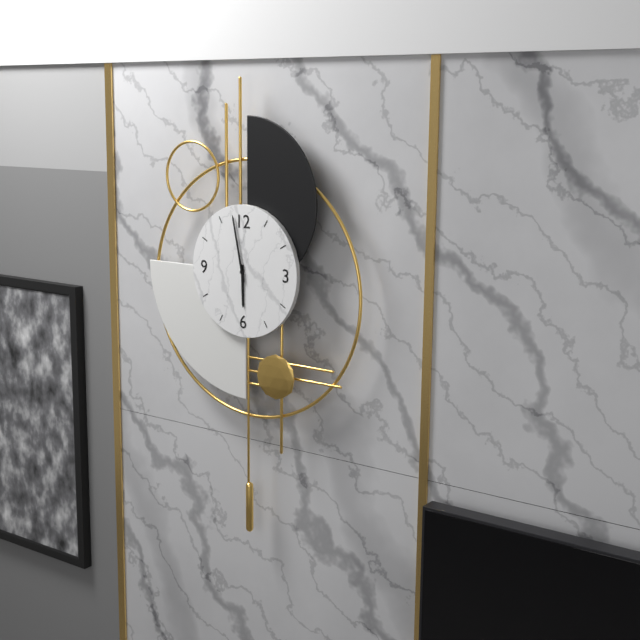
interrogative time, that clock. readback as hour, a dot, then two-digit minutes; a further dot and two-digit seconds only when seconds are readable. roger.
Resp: 5.58
